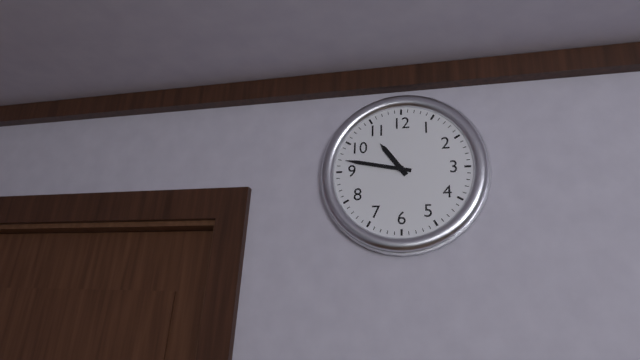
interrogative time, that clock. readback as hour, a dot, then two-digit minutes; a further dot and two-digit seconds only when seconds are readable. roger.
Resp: 10.47
